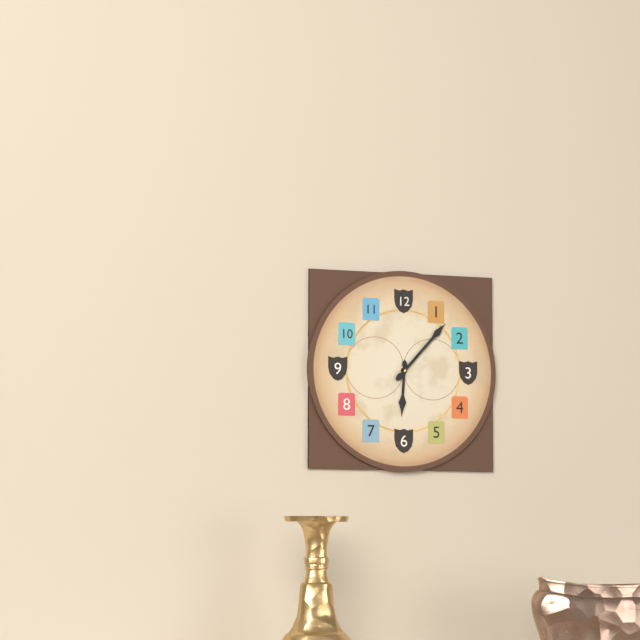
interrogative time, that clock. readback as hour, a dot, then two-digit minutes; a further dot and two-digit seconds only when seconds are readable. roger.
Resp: 6.07
